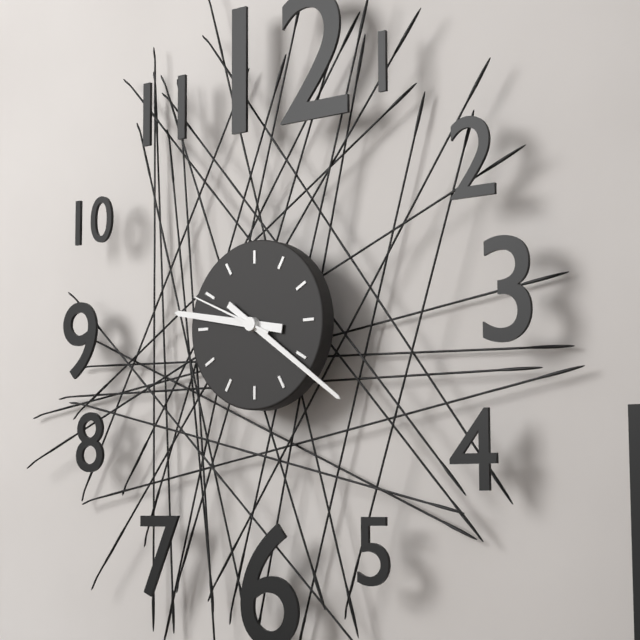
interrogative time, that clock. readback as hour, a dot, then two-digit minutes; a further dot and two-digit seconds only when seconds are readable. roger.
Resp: 9.21.49
